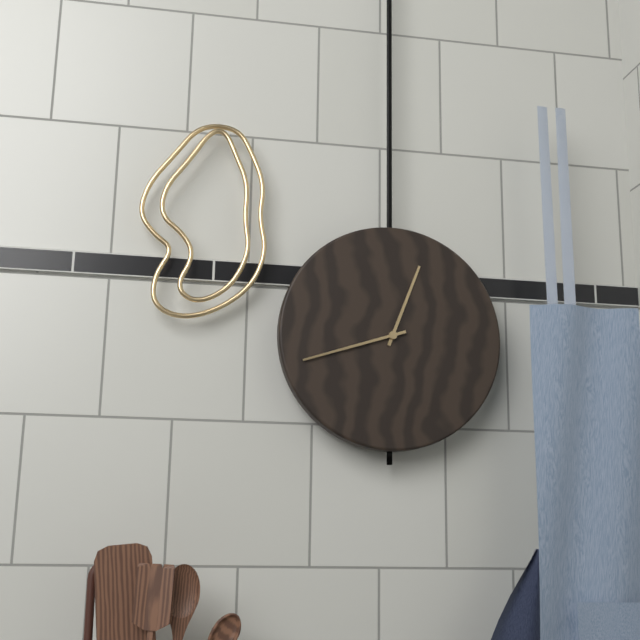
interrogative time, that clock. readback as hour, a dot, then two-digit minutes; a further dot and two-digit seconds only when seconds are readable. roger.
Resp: 12.42
